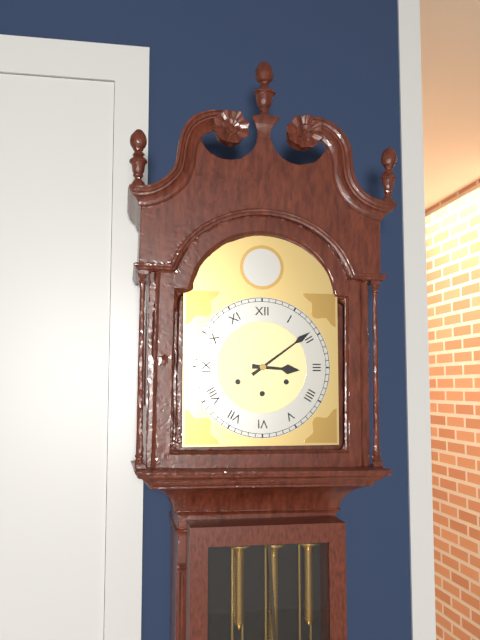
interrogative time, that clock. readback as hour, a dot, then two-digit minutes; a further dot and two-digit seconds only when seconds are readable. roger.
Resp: 3.09
